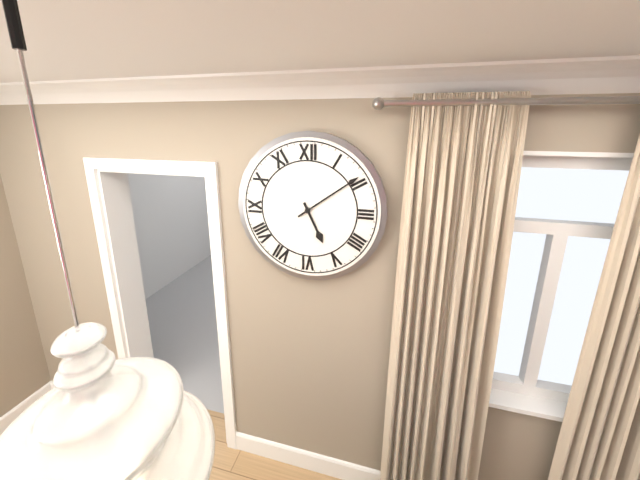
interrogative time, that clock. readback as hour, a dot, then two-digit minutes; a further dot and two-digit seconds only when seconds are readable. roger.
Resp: 5.09
